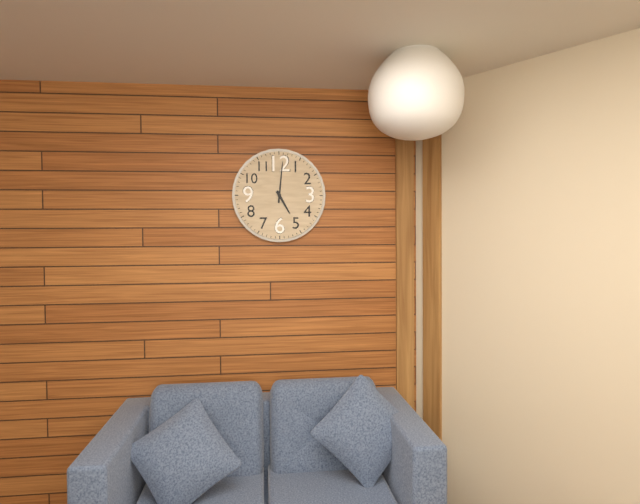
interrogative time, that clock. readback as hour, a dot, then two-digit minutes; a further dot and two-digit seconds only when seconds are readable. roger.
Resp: 5.01
